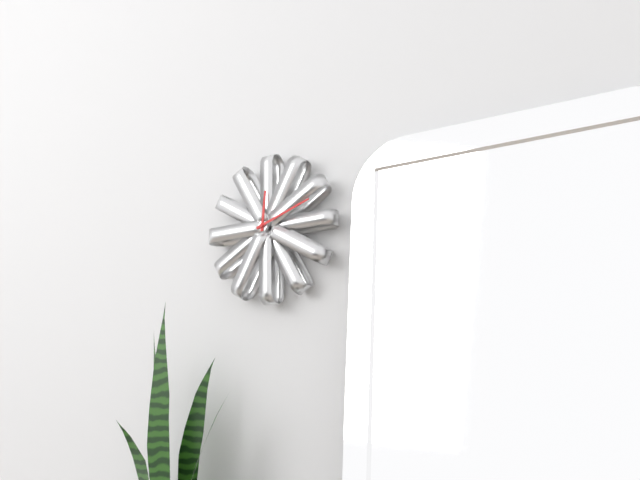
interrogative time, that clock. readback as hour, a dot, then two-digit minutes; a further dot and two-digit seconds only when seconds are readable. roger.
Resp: 12.12
